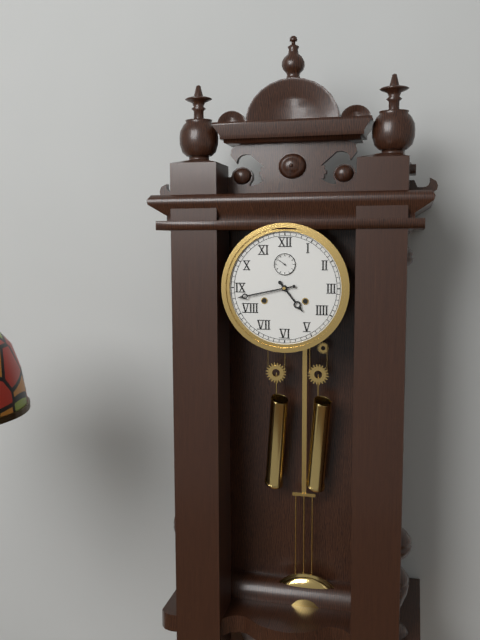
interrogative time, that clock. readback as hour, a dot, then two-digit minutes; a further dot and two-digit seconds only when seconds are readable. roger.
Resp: 4.43
